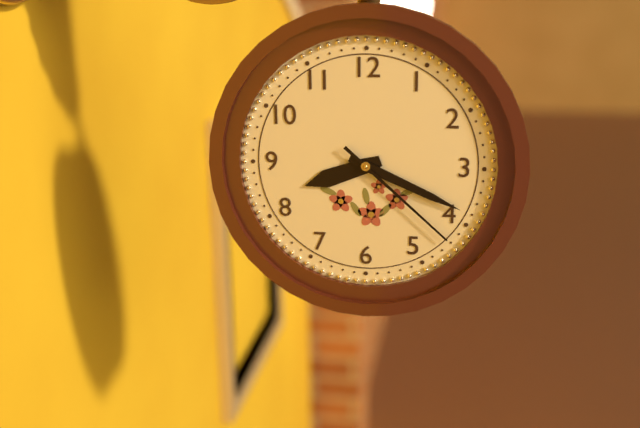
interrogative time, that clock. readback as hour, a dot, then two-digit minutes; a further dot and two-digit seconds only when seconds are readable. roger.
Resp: 8.19.22
